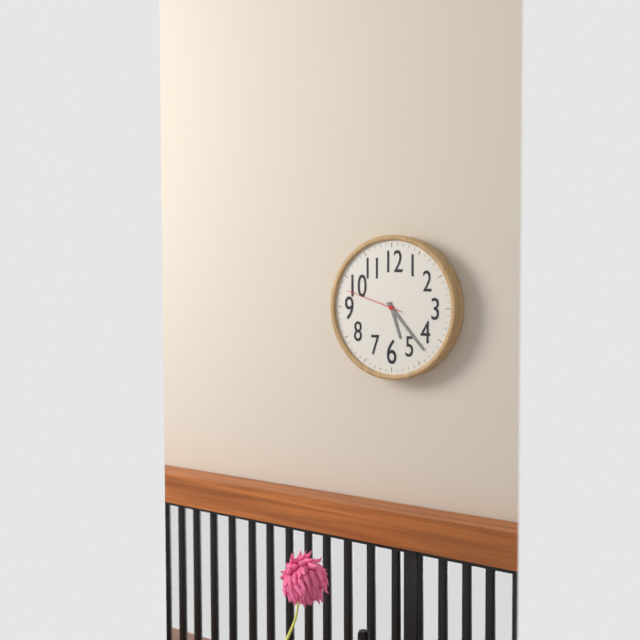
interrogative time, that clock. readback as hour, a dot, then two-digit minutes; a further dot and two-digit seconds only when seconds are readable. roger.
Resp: 5.23.48
